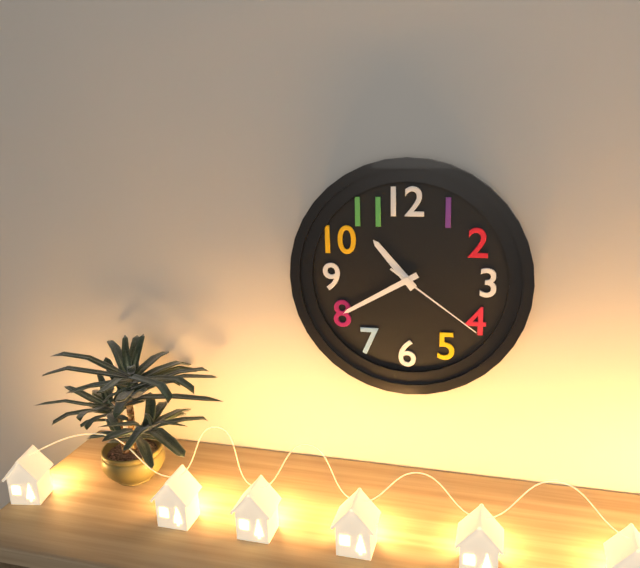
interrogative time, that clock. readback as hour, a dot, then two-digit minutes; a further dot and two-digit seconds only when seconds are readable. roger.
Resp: 10.40.21
